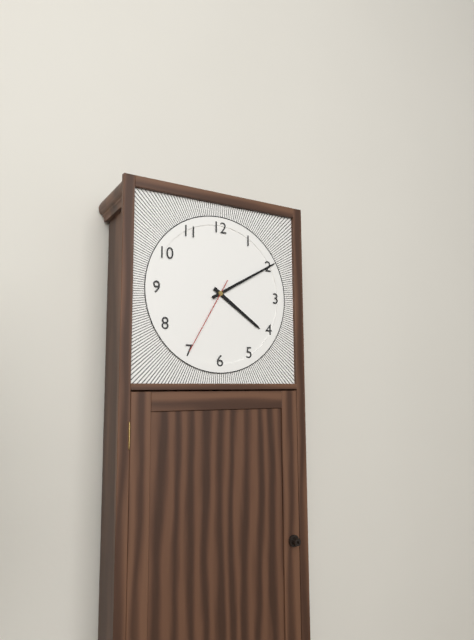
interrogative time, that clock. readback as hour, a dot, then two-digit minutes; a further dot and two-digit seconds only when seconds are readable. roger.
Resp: 4.10.35
